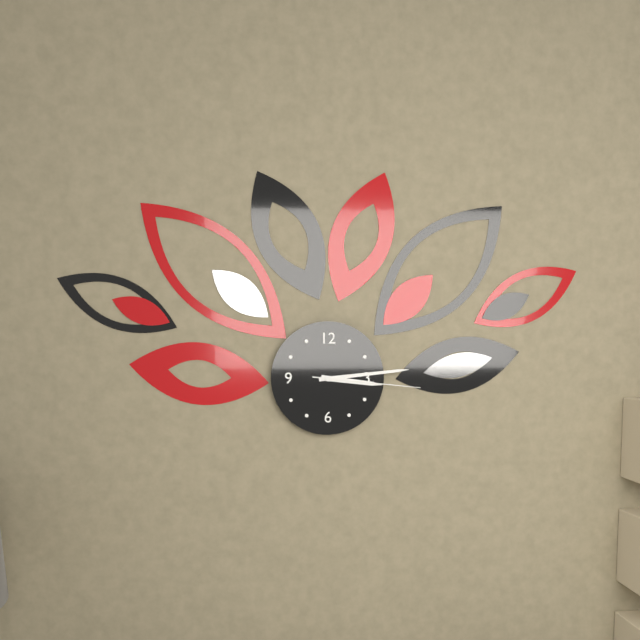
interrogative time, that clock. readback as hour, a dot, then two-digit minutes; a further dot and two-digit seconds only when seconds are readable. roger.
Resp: 3.14.16
